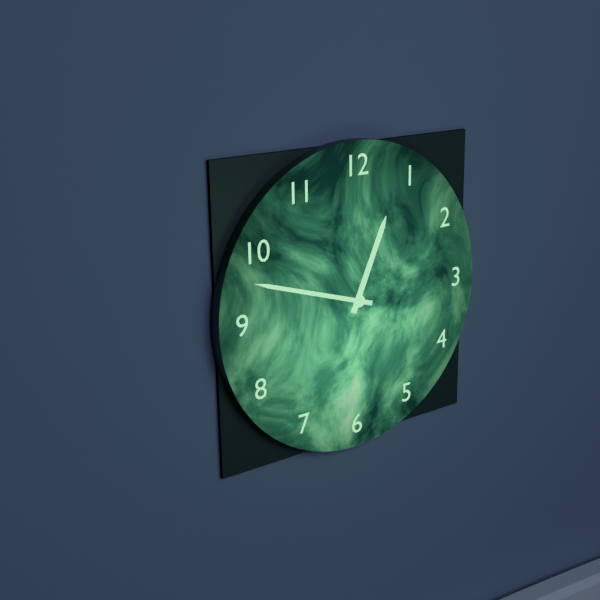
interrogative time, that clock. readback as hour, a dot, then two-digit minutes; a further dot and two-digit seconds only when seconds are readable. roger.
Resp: 12.48
